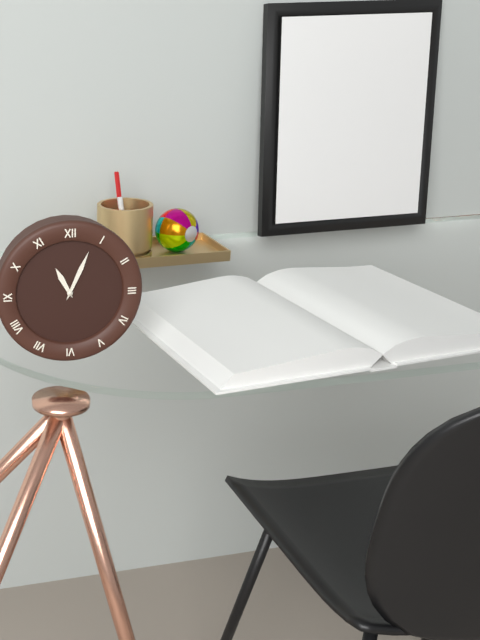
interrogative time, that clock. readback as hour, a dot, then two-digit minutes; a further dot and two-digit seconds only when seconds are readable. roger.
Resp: 11.04
